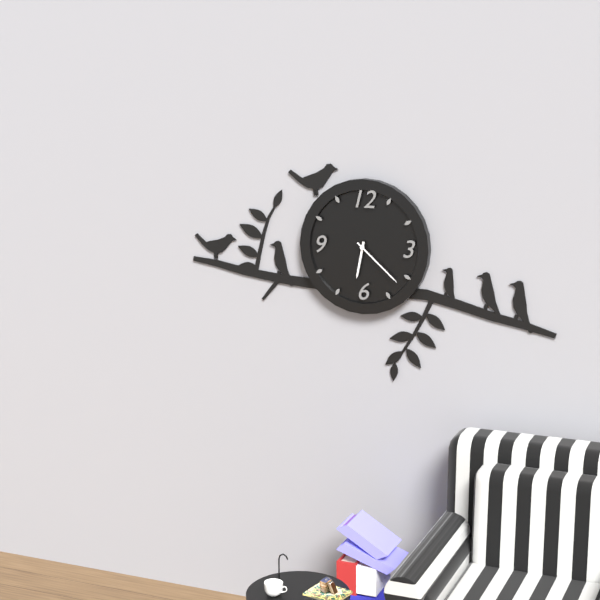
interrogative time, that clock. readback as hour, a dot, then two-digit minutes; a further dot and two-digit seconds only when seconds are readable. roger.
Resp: 6.22
